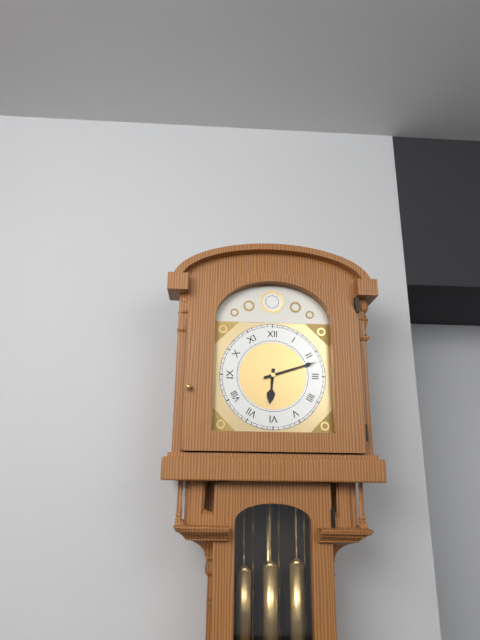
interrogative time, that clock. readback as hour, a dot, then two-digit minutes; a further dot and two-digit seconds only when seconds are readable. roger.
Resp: 6.12
